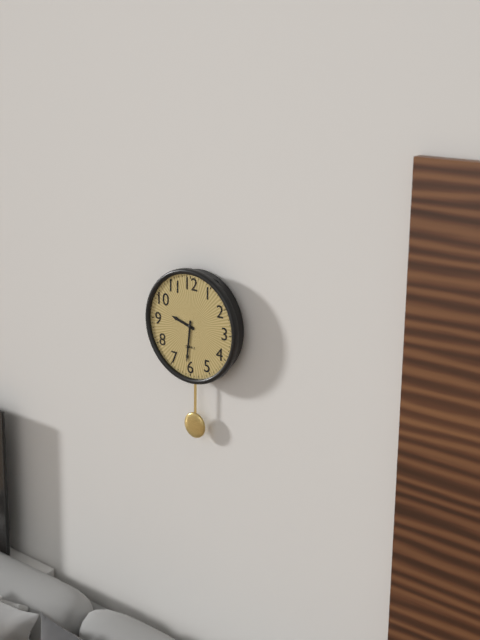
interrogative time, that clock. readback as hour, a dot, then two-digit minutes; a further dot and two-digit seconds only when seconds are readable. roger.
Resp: 9.31
